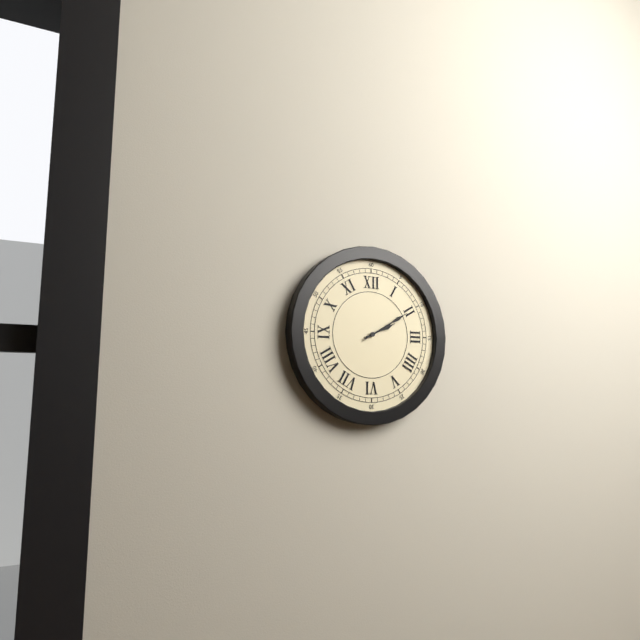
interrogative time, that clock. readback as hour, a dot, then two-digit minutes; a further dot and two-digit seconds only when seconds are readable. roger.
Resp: 2.10
